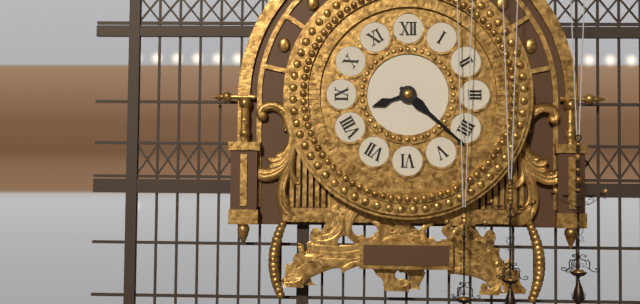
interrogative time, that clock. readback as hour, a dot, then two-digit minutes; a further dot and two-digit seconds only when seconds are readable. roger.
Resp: 8.22
